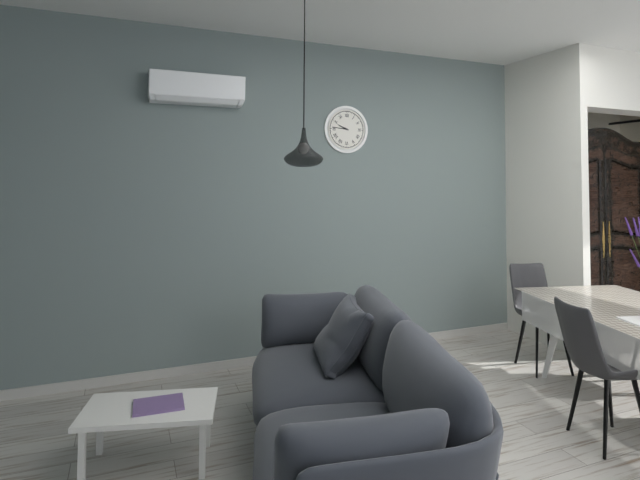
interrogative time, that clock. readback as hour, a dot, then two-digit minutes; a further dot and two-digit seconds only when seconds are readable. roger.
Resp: 9.46
